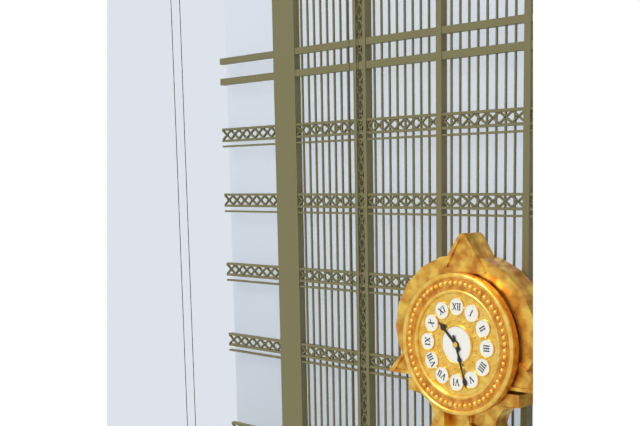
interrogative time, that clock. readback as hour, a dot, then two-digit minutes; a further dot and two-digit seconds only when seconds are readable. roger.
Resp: 10.27
